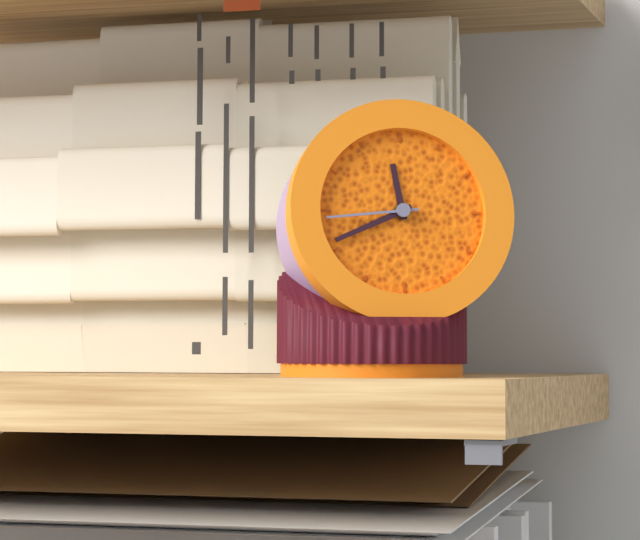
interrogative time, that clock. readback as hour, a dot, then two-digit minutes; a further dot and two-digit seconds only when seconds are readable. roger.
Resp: 11.41.44
